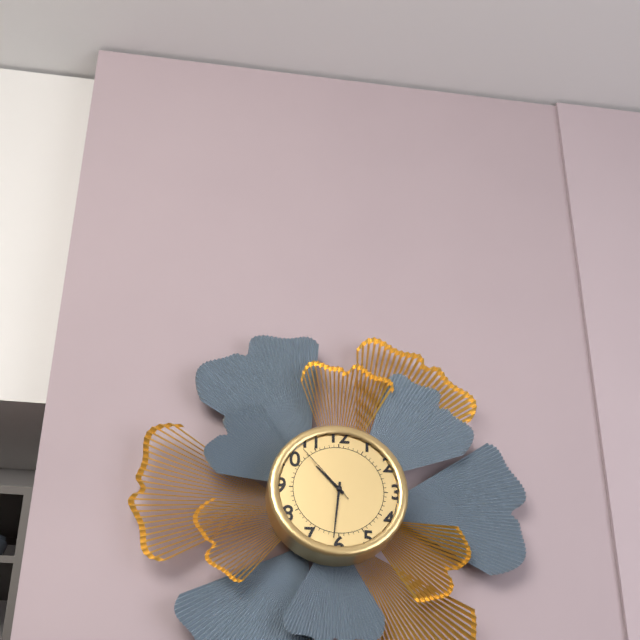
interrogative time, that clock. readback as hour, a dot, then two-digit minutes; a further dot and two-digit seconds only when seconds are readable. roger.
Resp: 10.31.53
